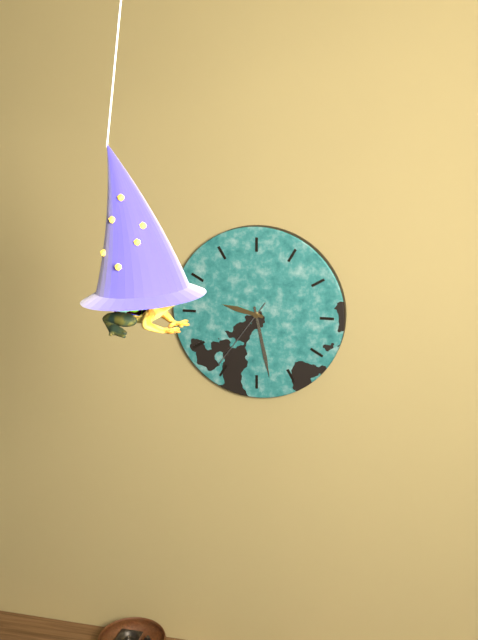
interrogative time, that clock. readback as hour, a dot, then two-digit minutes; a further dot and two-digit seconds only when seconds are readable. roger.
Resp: 9.28.36
